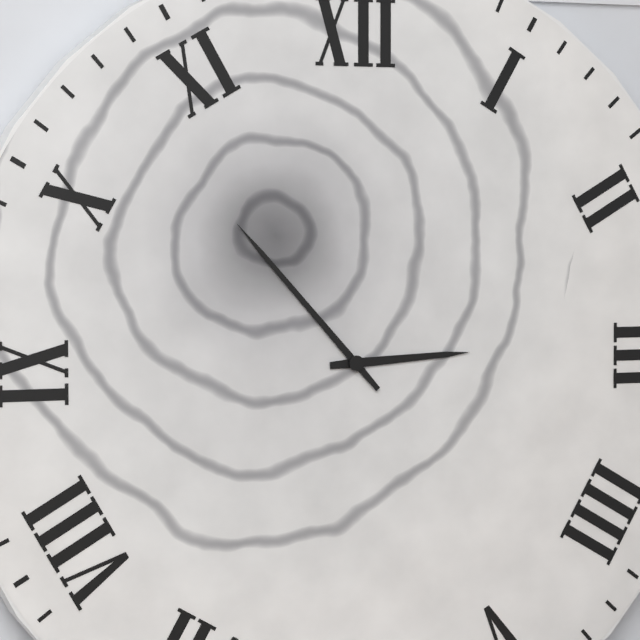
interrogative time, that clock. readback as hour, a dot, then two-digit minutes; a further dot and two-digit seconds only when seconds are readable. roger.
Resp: 2.53
